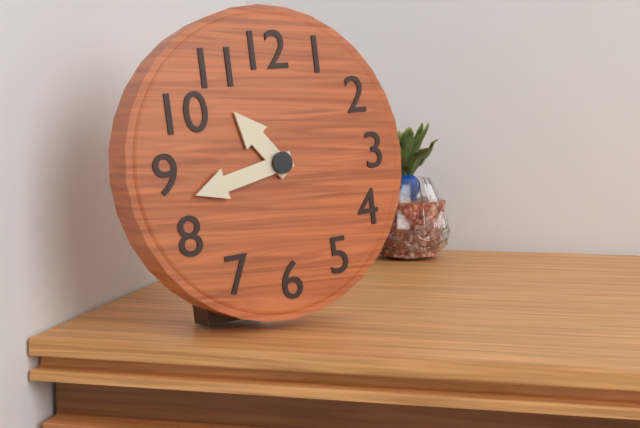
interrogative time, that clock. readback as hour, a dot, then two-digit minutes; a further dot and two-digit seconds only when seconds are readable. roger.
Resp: 10.43
